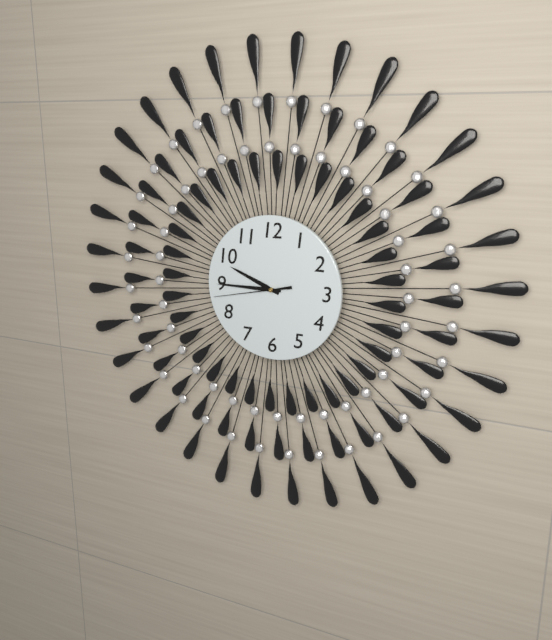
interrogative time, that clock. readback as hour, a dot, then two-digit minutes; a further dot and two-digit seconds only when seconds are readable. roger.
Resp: 9.45.43
